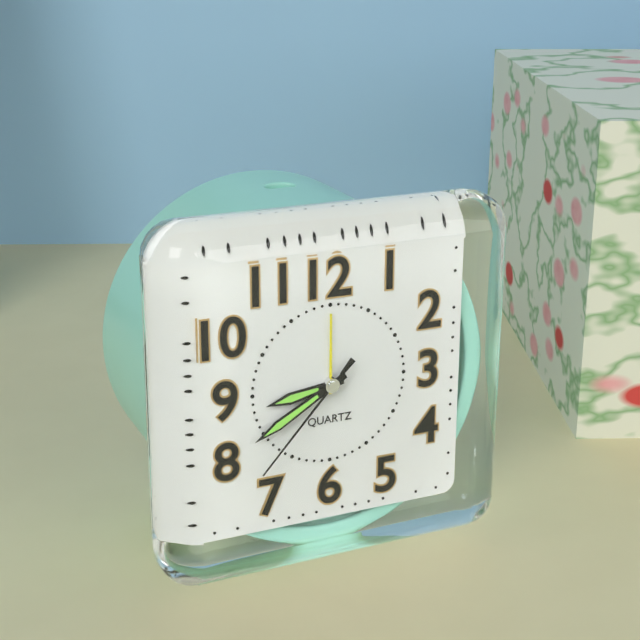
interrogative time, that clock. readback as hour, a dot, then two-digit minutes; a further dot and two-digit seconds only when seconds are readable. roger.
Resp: 8.40.37
